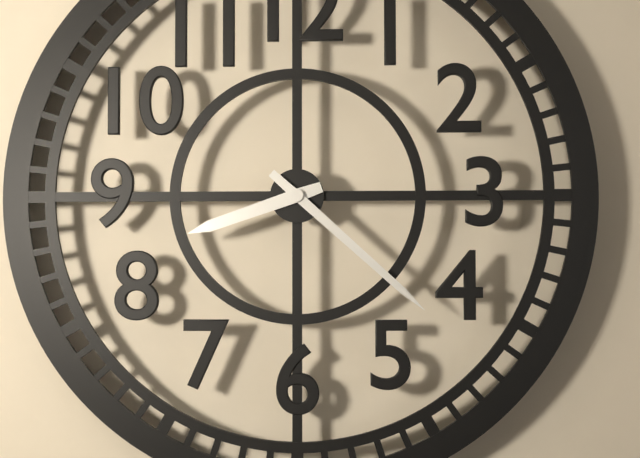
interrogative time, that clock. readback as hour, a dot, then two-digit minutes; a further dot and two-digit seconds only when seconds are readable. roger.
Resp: 8.22
